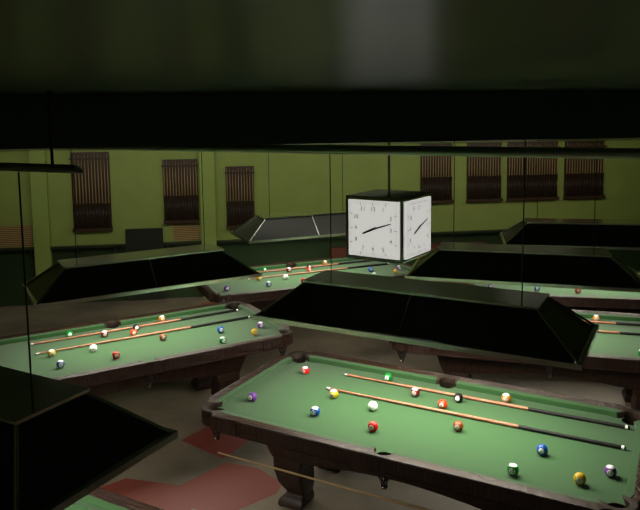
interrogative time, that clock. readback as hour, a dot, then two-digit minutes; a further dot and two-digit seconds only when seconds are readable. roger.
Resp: 8.12
